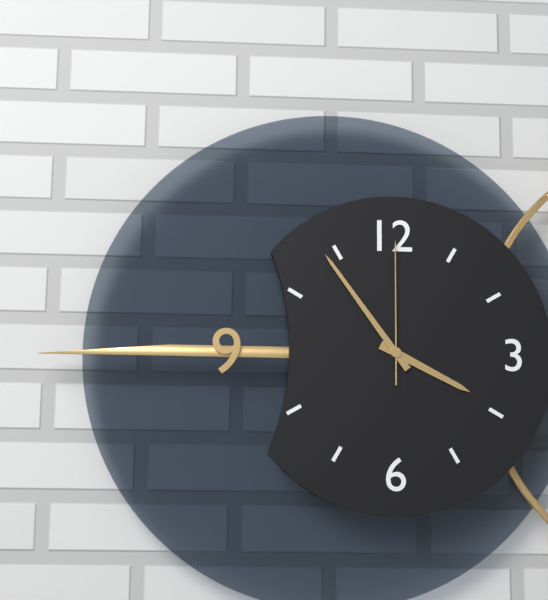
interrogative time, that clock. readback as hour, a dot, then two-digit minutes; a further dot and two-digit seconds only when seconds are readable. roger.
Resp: 3.54.00
